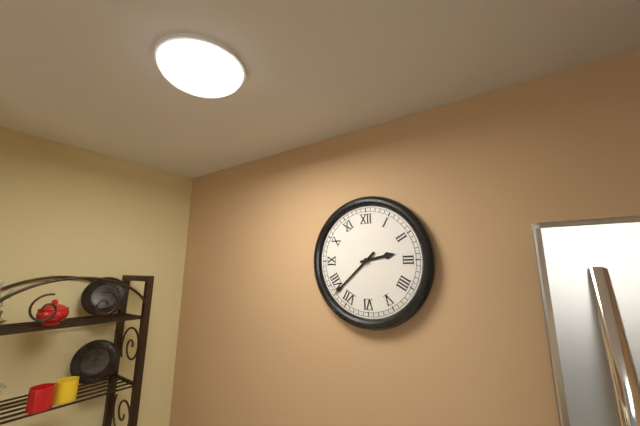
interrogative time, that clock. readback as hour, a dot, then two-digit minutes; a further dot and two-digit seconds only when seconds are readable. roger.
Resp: 2.38
